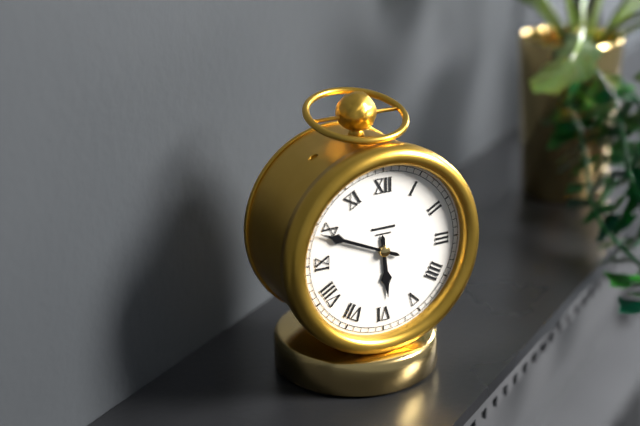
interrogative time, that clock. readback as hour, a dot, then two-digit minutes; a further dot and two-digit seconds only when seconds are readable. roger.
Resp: 5.49
